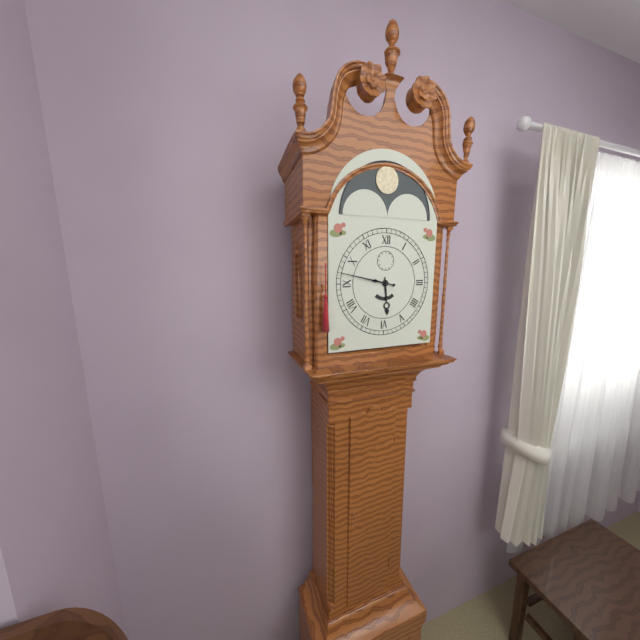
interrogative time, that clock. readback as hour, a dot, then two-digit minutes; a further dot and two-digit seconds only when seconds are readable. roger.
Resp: 5.47
